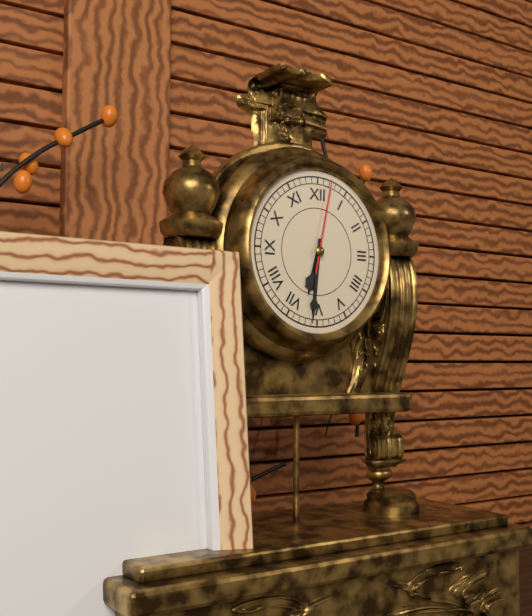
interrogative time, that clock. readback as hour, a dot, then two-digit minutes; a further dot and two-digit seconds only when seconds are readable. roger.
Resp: 6.31.02
